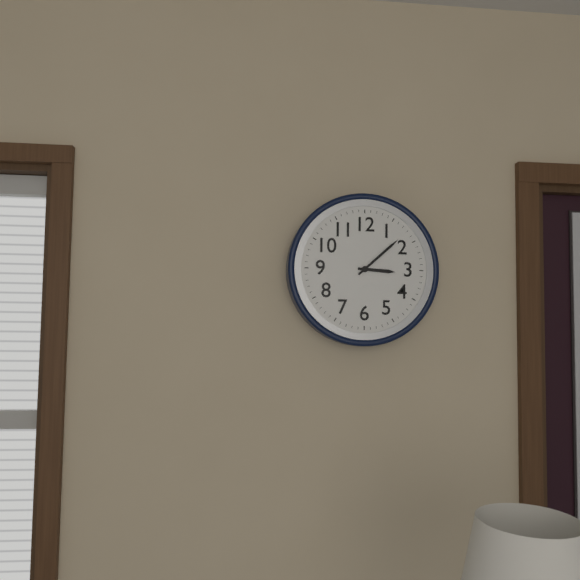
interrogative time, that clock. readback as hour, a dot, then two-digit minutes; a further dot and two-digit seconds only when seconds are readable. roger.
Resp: 3.08
